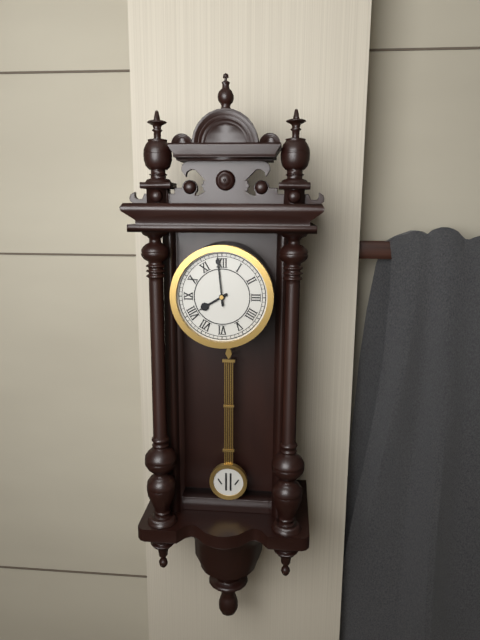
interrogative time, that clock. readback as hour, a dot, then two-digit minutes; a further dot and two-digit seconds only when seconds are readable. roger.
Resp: 7.59
